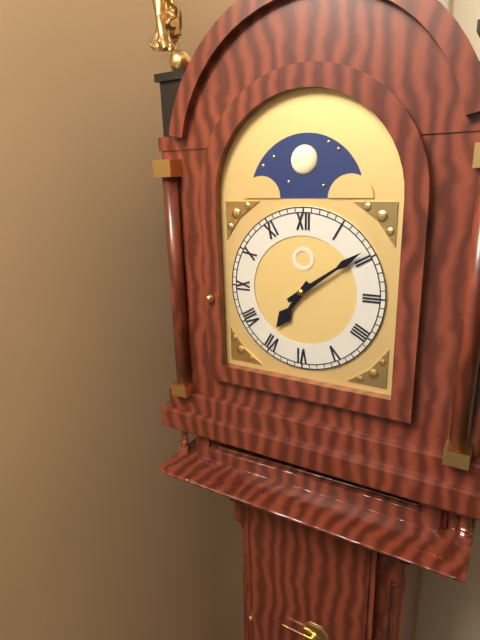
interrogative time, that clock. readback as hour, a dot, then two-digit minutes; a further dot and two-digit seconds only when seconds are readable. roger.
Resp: 7.09
